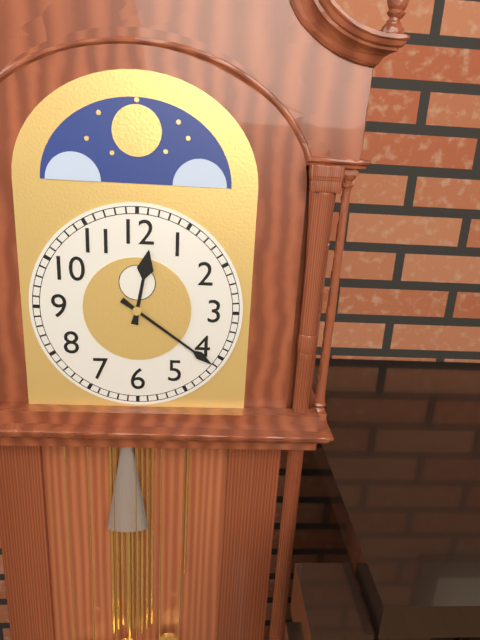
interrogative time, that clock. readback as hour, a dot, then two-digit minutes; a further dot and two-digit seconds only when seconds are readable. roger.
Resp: 12.21
